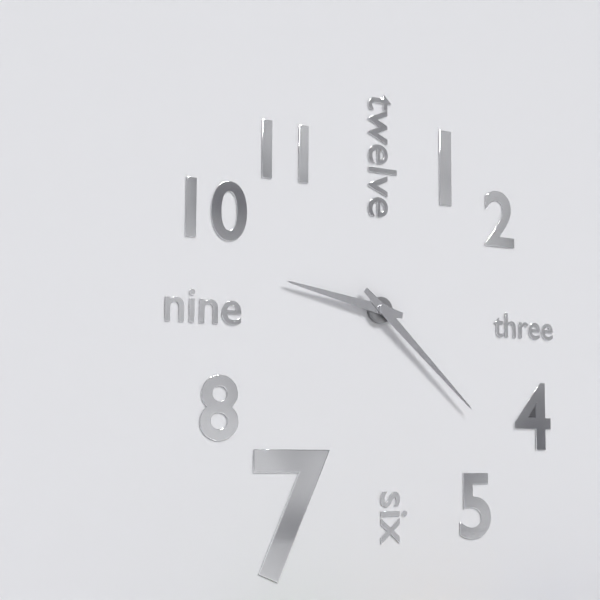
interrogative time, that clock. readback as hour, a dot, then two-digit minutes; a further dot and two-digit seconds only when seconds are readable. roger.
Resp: 9.22
